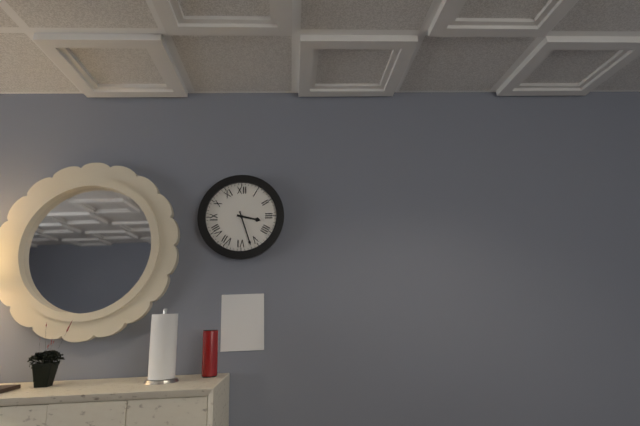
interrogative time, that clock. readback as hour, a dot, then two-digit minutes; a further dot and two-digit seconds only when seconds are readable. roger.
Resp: 3.27
